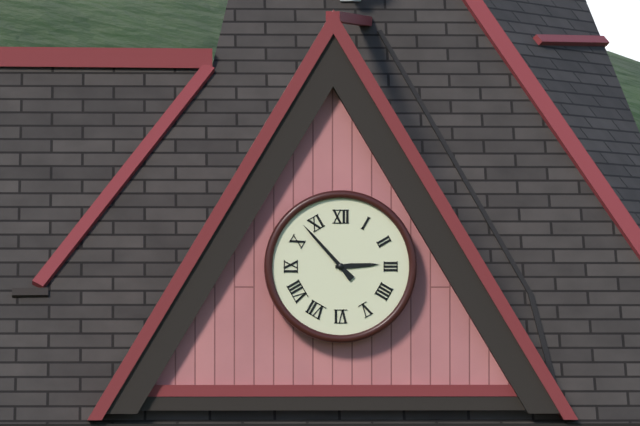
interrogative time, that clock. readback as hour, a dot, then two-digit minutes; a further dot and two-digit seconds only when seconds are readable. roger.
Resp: 2.53
